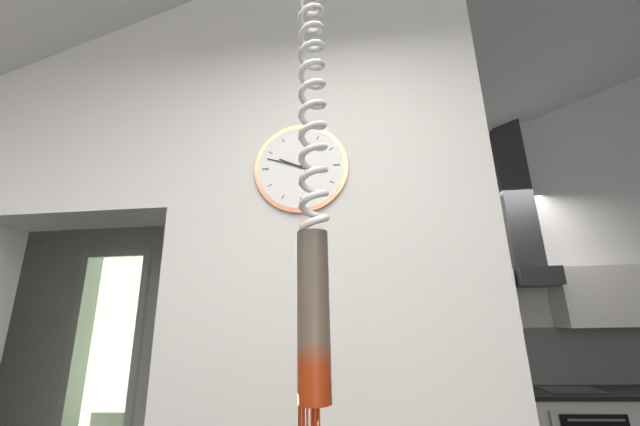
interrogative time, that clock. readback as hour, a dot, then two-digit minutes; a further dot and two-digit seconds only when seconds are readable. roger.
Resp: 9.48
